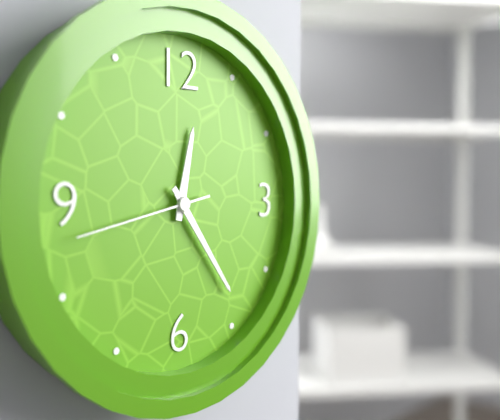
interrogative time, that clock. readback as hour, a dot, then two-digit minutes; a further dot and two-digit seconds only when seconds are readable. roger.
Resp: 12.24.43
